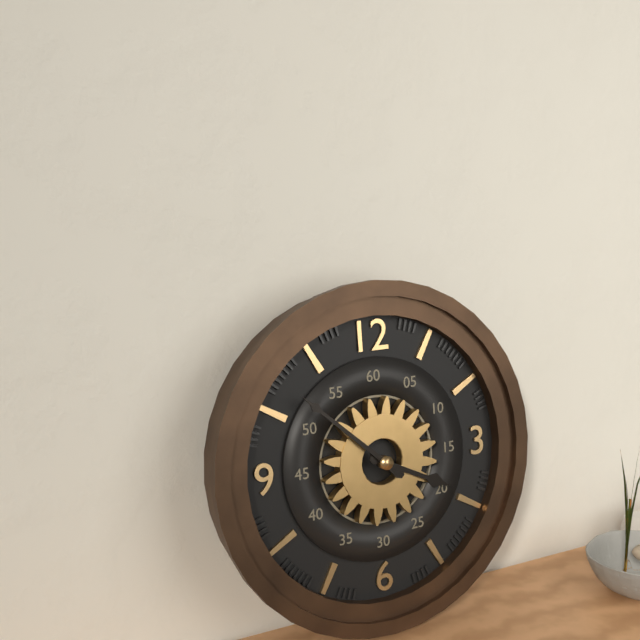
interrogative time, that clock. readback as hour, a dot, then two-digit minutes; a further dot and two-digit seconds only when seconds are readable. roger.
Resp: 3.52
